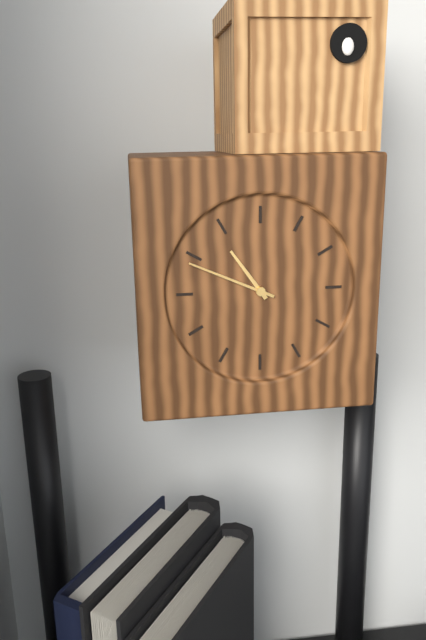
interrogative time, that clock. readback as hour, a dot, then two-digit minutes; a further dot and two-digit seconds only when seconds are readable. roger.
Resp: 10.49
